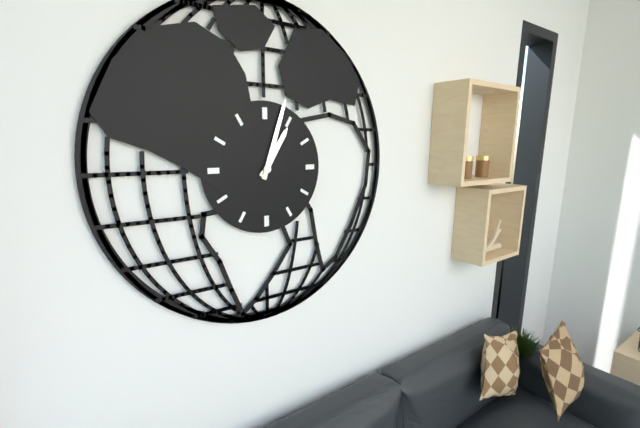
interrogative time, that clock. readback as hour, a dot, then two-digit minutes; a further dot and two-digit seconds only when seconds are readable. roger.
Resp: 1.03
